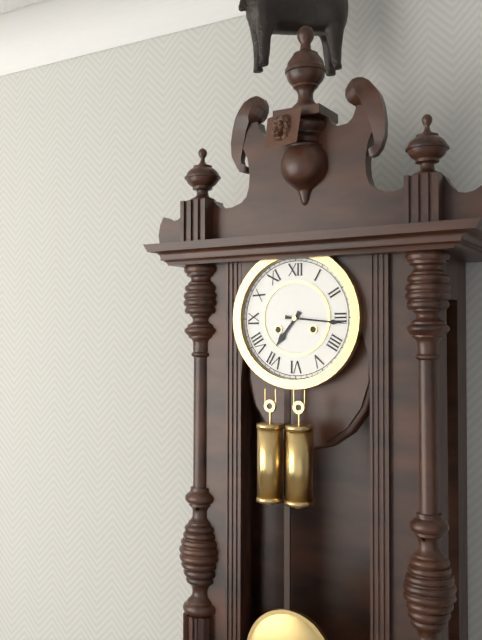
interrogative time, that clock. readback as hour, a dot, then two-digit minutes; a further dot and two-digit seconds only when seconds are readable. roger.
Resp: 7.16
